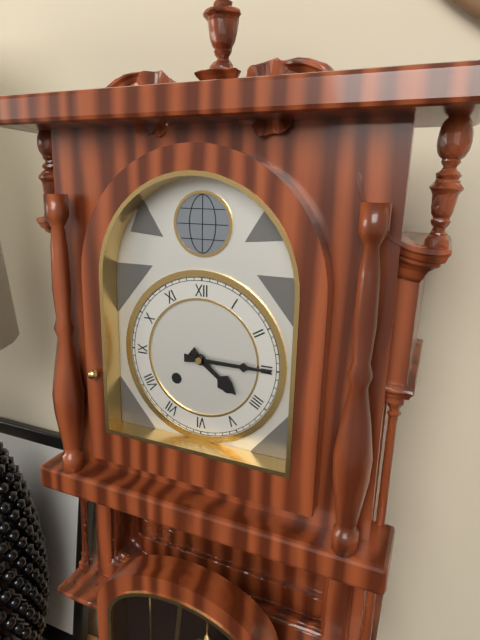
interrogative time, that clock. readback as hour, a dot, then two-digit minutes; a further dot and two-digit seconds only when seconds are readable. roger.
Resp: 4.15
